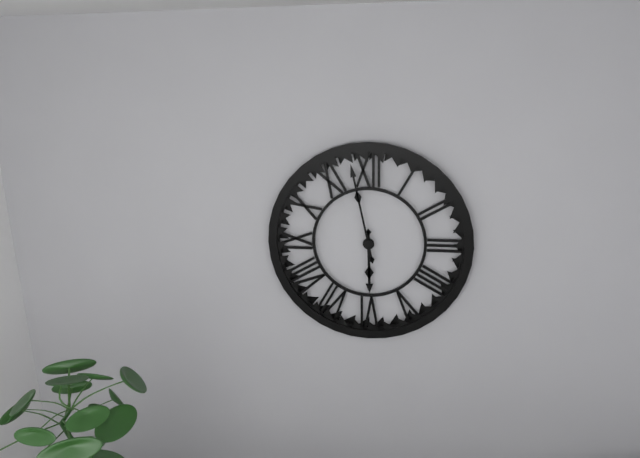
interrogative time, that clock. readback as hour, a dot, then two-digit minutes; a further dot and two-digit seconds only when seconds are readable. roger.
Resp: 5.58
